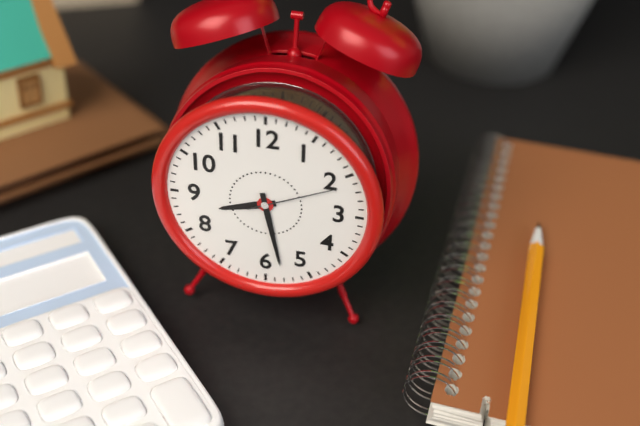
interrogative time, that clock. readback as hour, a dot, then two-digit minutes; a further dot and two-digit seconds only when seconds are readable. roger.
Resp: 8.28.11
